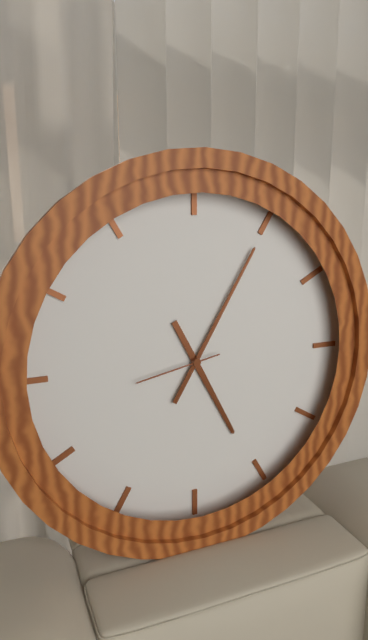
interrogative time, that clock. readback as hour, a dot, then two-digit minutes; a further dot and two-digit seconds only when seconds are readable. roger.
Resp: 5.05.43
